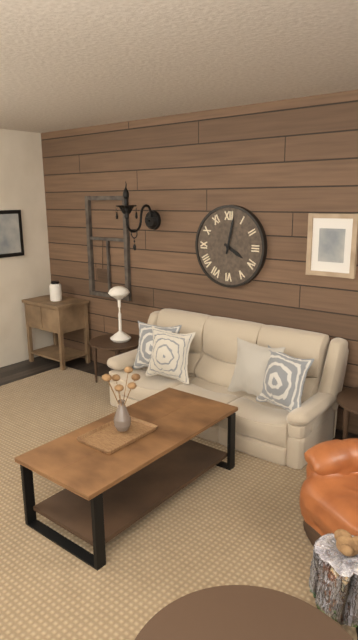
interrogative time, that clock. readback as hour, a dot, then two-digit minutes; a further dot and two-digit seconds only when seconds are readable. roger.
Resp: 4.02
